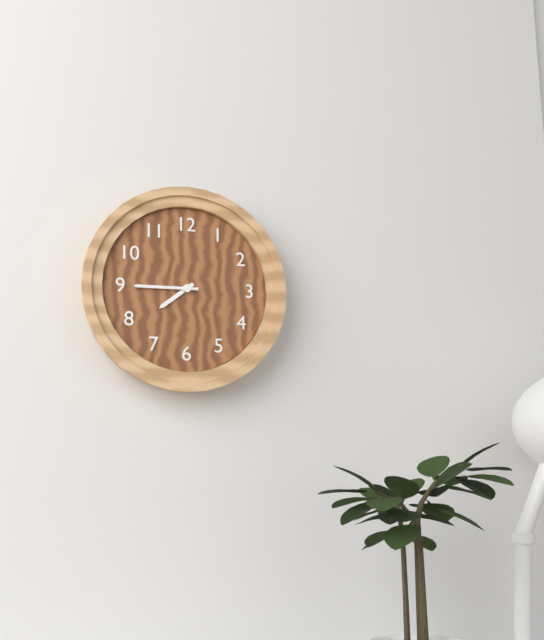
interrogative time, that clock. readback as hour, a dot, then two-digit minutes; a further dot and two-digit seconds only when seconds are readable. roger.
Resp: 7.45
